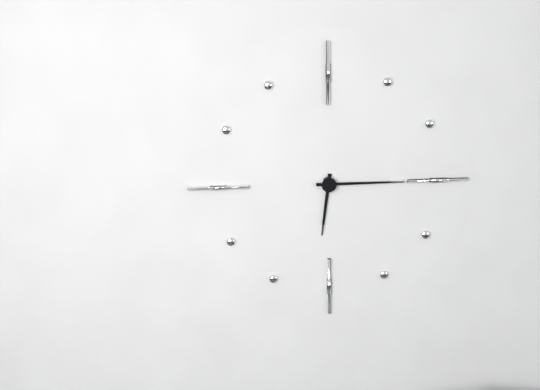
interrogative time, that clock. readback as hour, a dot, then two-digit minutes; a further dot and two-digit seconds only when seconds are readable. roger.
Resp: 6.15
